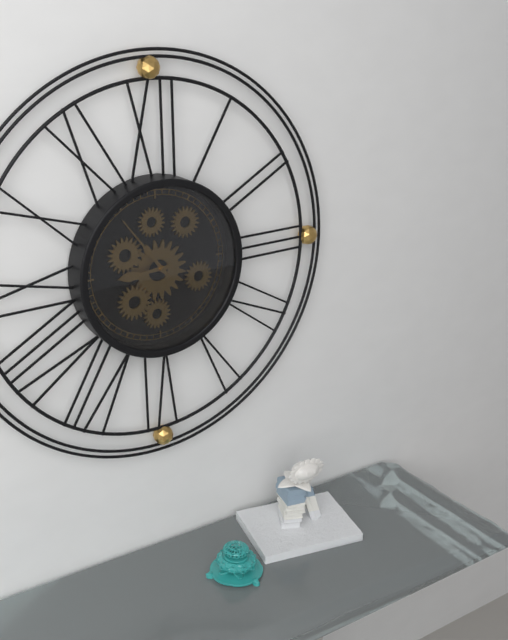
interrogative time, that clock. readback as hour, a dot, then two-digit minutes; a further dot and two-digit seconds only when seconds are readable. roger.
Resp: 8.54
